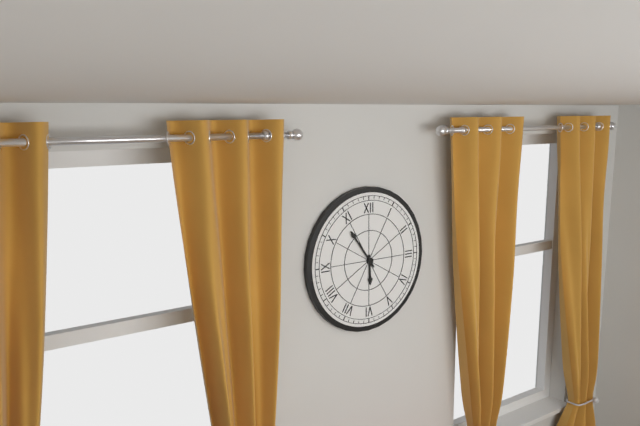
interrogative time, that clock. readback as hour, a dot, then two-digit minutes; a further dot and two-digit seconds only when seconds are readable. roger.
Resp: 5.54
